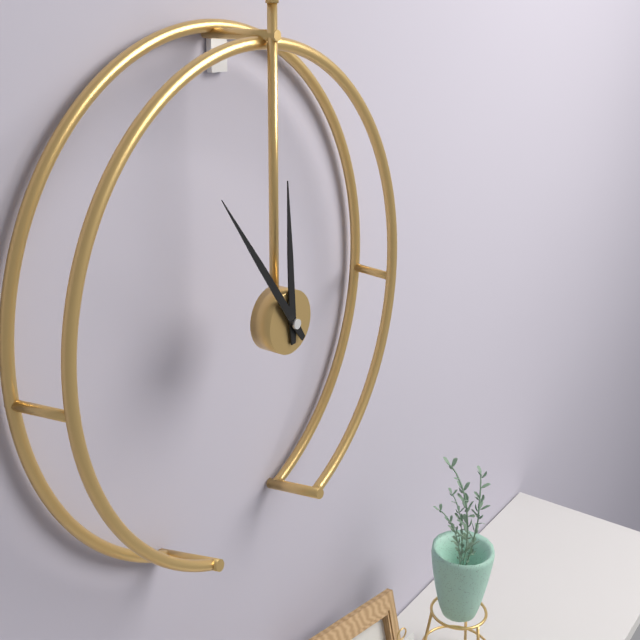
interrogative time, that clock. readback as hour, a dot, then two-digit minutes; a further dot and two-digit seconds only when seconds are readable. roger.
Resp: 11.54
